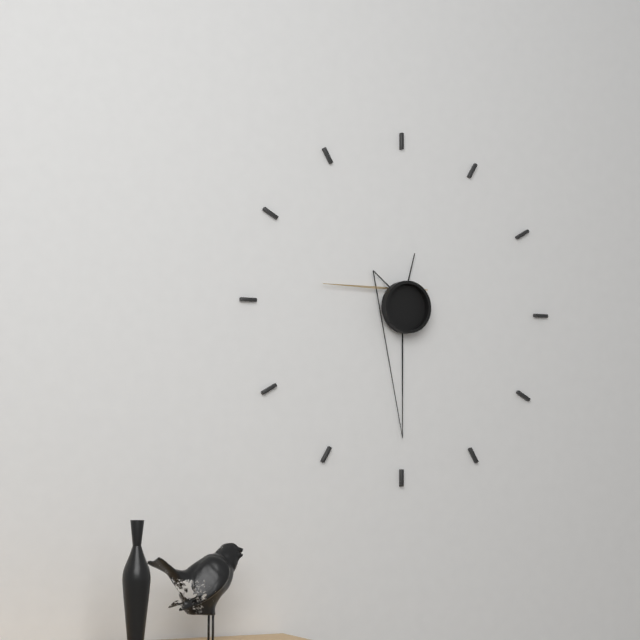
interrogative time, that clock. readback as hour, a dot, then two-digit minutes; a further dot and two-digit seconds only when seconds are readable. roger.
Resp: 12.30.47
